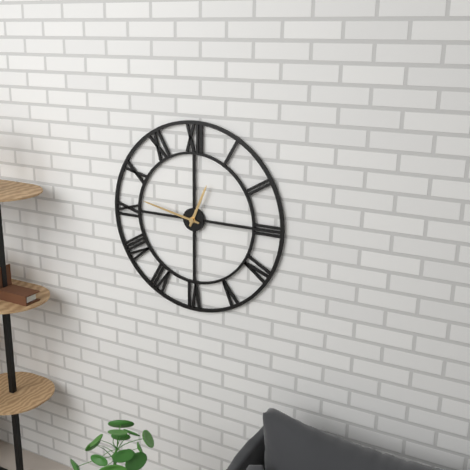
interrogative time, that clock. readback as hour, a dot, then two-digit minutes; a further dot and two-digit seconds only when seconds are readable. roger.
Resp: 12.47
